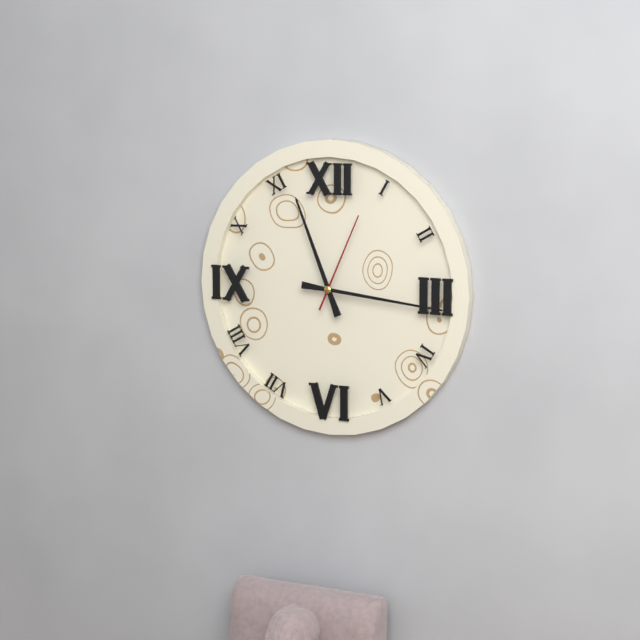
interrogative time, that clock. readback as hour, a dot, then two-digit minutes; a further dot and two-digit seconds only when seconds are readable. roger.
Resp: 11.16.04
